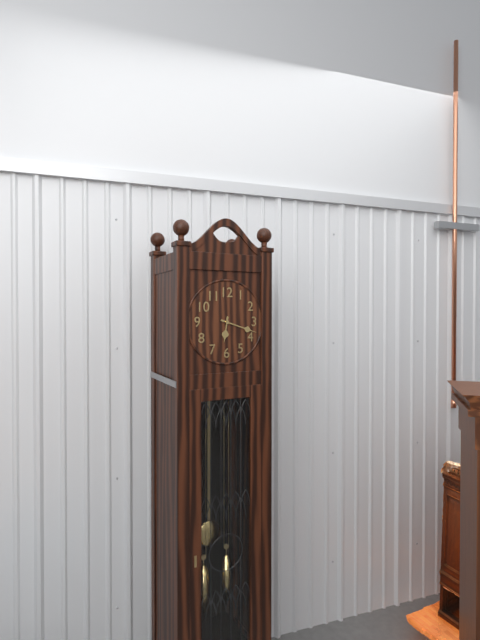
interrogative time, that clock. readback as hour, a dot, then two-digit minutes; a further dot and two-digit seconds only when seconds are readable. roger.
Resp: 6.18
